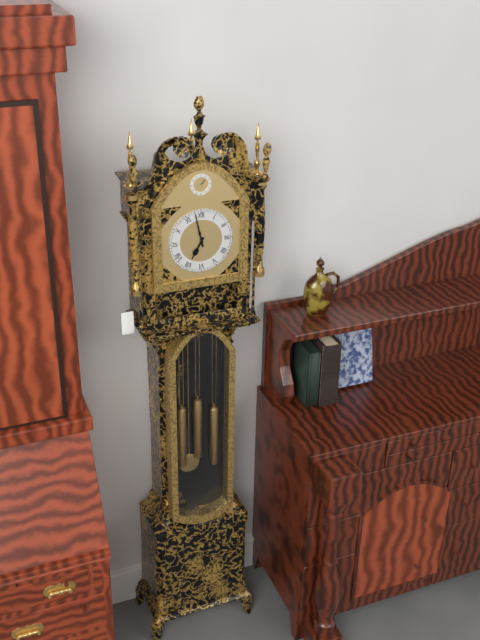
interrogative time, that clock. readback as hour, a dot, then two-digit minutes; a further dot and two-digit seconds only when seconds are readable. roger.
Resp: 6.58
